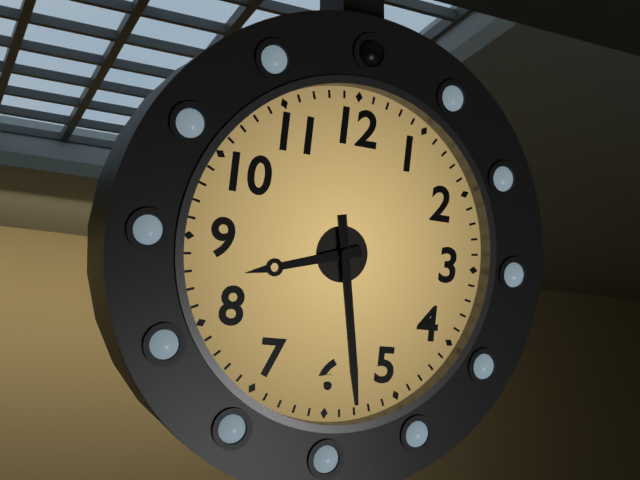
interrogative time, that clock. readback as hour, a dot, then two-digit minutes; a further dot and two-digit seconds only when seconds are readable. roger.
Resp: 8.28
